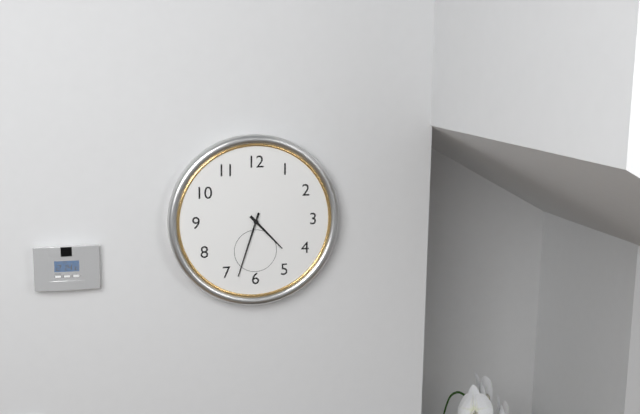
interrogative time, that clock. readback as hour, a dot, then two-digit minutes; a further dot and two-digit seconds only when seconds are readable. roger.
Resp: 4.33
